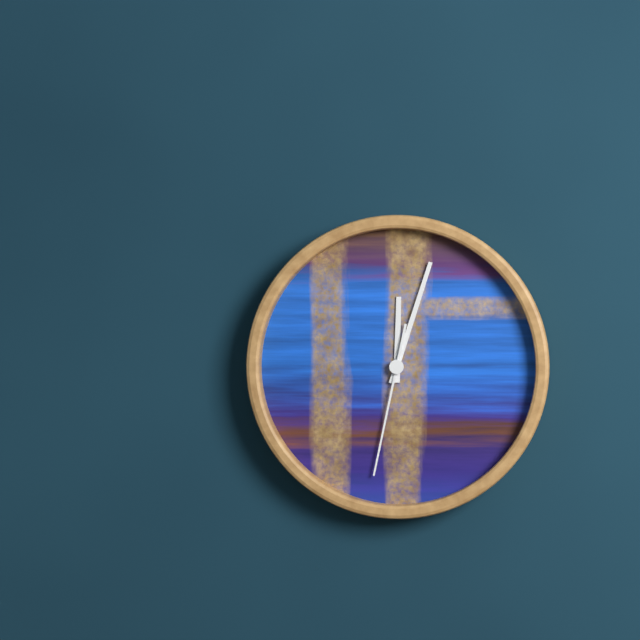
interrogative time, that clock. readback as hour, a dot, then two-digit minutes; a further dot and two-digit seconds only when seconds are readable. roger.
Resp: 12.03.32
